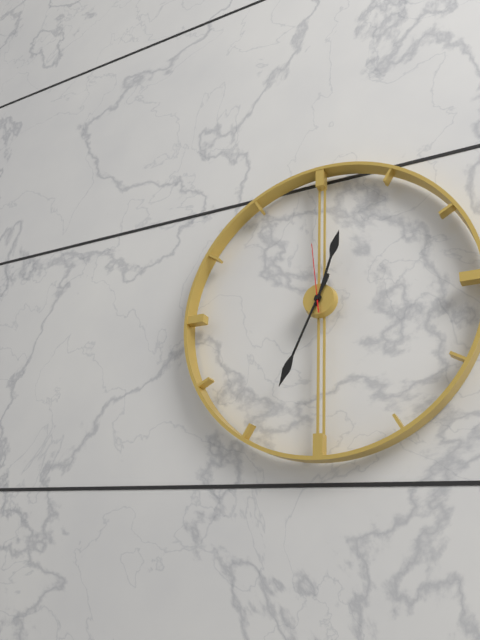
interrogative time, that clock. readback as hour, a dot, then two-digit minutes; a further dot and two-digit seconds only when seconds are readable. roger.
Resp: 12.34.59
